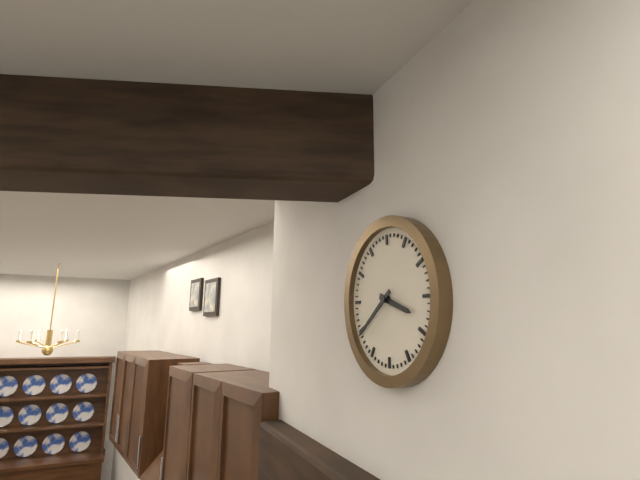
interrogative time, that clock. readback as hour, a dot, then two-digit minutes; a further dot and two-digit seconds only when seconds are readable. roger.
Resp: 3.39
